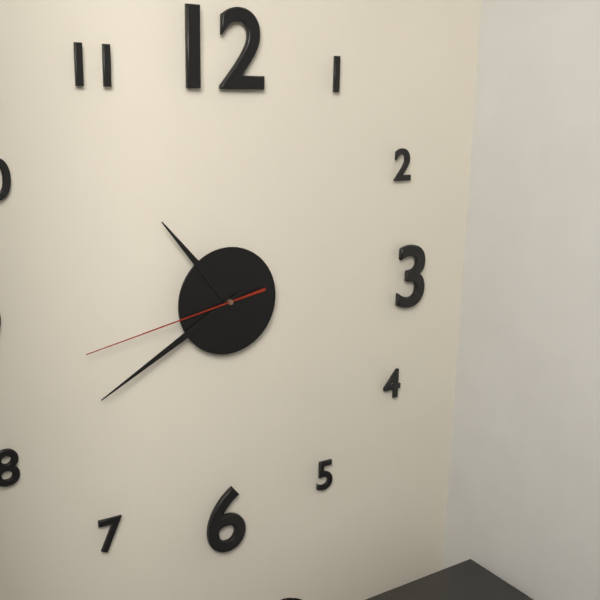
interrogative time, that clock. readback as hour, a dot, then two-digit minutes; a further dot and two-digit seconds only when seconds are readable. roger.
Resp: 10.40.43
